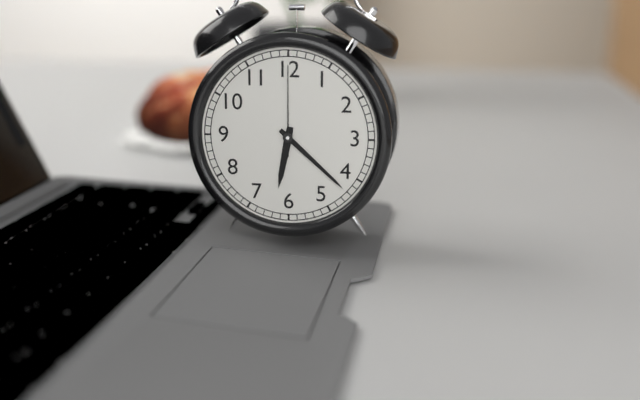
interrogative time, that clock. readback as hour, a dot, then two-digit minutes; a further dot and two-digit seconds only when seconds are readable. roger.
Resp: 6.22.00
